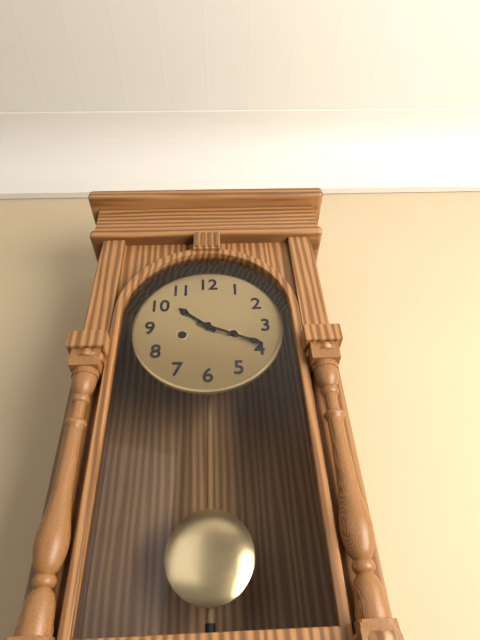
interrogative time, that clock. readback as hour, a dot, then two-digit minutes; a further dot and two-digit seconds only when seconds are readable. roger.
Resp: 10.19
